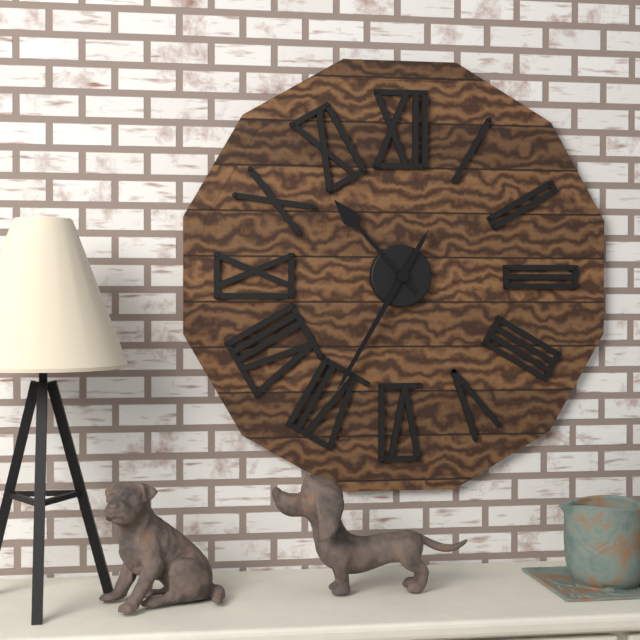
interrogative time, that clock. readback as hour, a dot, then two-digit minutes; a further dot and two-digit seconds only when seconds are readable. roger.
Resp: 10.35
